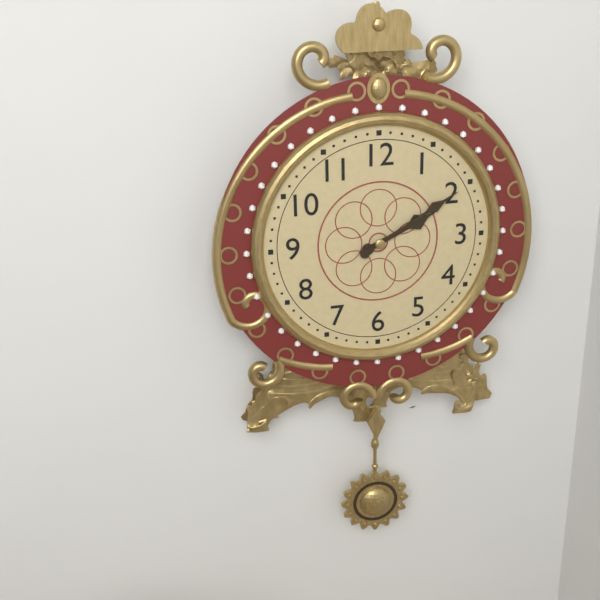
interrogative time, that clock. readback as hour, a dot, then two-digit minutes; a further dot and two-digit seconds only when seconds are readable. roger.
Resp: 2.10
